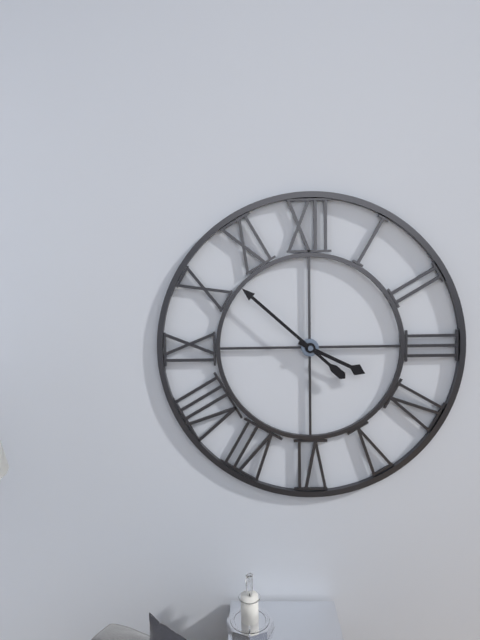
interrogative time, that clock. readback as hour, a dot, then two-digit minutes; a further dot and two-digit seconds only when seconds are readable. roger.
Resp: 3.52
